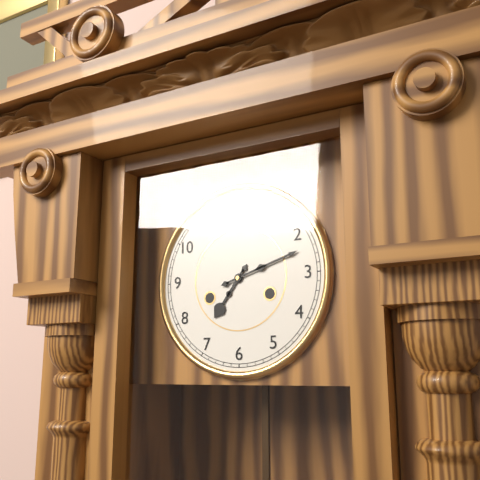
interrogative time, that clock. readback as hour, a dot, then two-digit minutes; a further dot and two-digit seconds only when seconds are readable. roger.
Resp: 7.12
